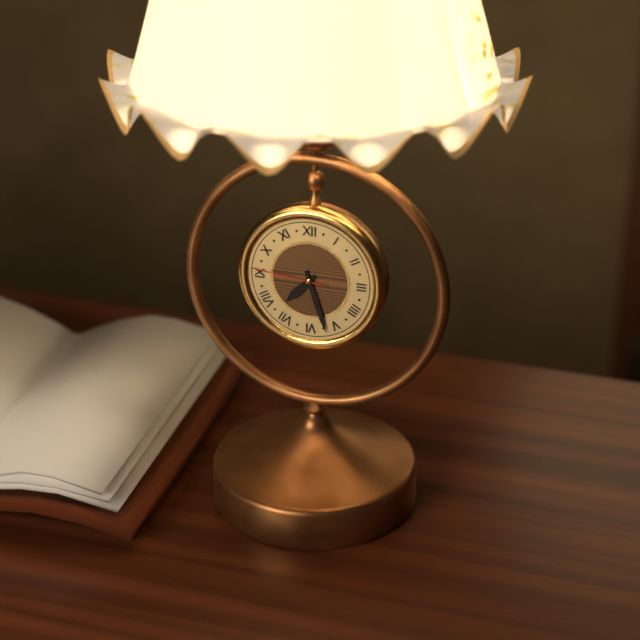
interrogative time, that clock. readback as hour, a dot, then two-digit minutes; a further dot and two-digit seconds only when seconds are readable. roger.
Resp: 7.27.46
